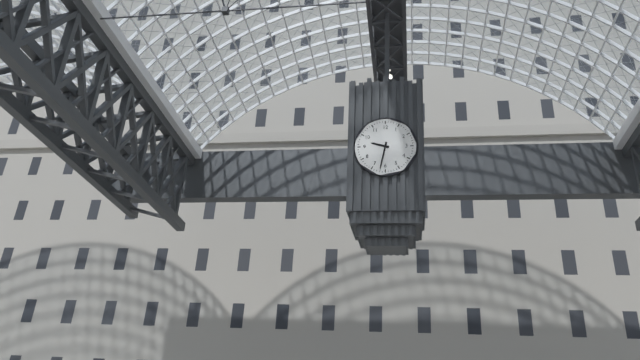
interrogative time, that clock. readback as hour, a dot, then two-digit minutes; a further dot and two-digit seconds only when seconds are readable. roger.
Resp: 9.32
